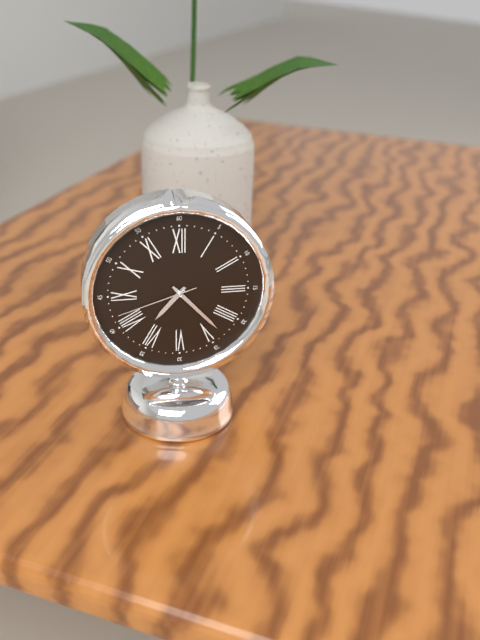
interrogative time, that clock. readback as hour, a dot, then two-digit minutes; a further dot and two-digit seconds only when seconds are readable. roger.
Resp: 7.23.42
